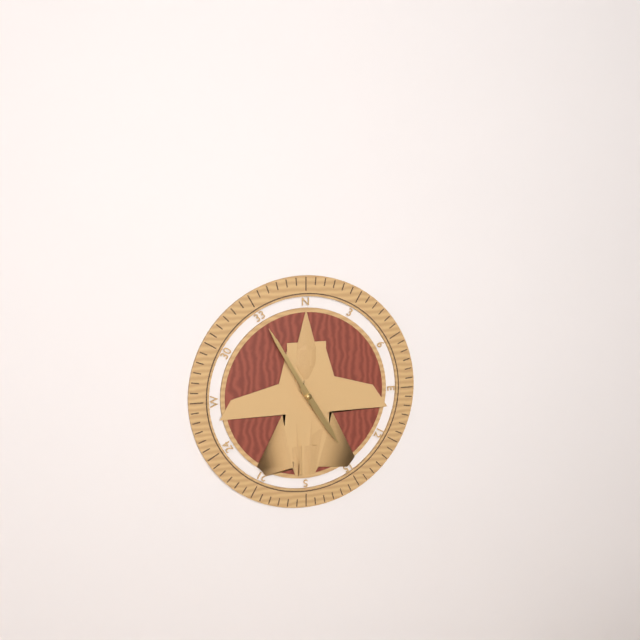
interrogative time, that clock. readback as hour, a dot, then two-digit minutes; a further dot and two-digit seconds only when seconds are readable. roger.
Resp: 4.55
